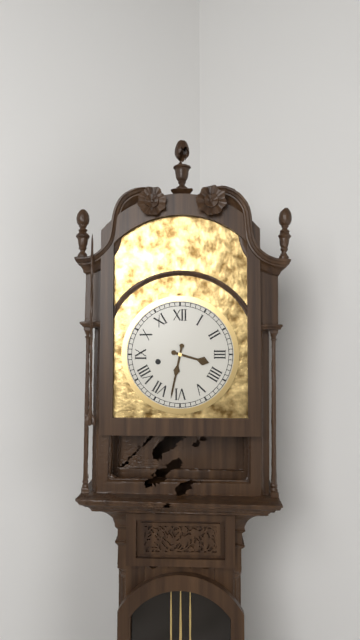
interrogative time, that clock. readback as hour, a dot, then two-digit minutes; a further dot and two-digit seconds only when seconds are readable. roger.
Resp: 3.32
